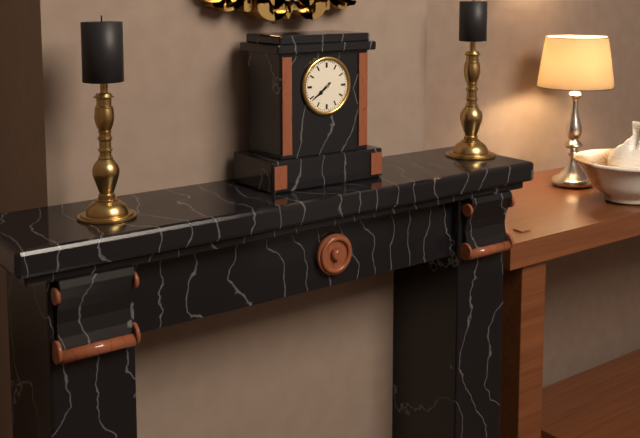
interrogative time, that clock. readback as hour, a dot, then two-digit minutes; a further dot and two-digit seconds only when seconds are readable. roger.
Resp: 7.39
